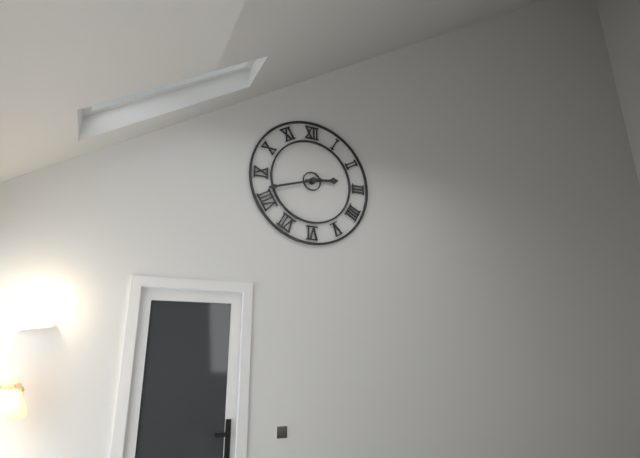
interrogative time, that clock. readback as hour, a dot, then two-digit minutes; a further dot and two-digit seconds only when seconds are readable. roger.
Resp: 2.42
